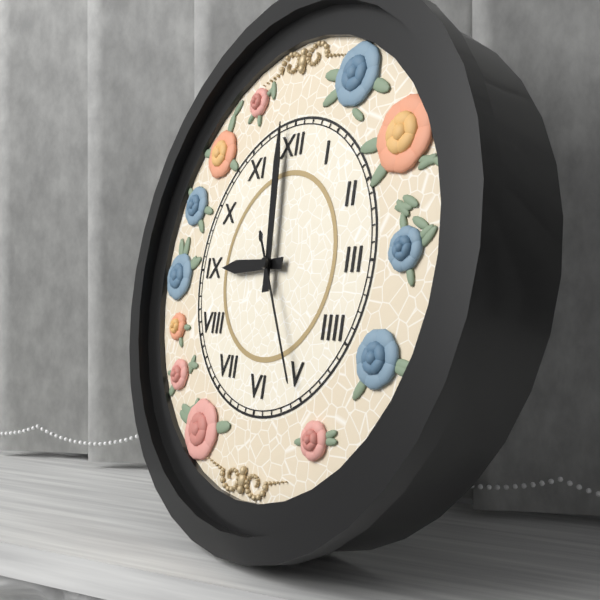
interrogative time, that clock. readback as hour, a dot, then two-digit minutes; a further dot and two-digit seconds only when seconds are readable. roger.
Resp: 8.59.25
